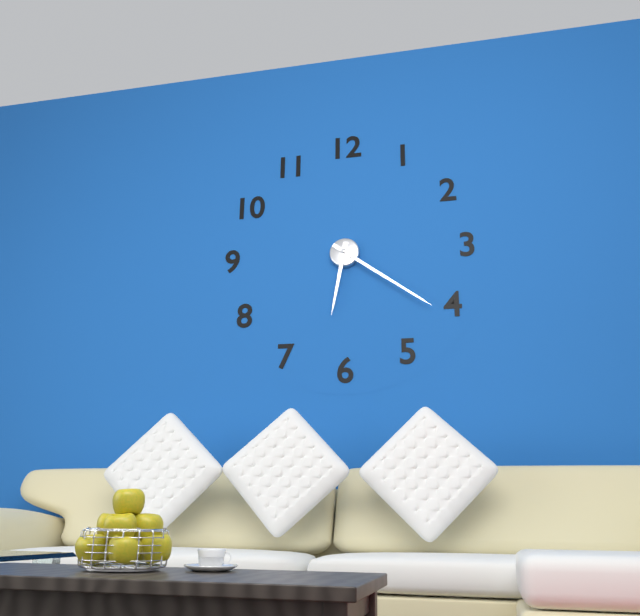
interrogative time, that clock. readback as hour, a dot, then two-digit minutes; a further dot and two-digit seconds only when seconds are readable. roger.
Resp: 6.21
